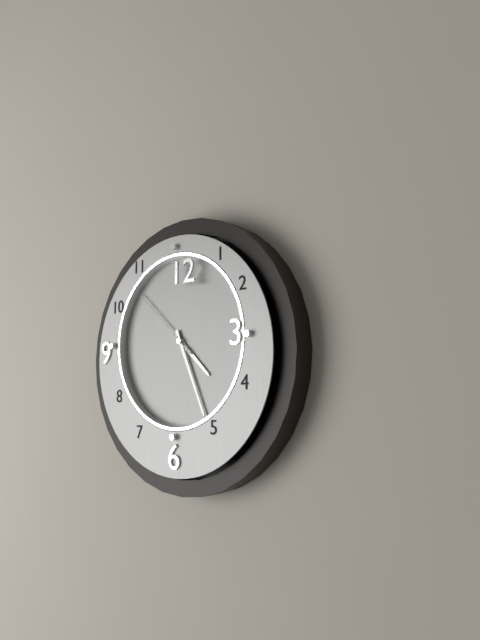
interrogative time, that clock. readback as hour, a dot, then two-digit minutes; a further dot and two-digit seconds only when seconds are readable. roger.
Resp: 4.26.52
